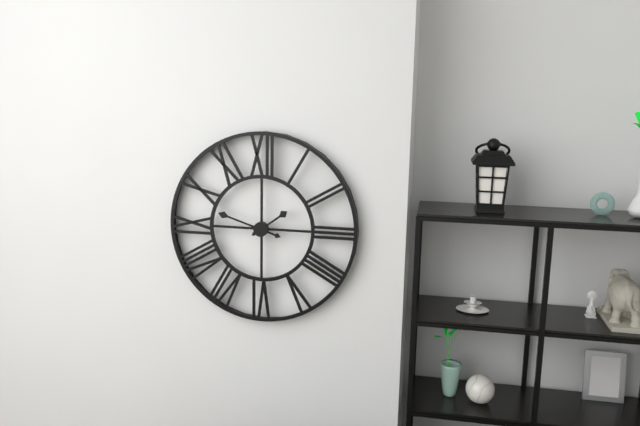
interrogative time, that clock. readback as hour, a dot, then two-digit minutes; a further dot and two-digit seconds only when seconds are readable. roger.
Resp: 1.48
